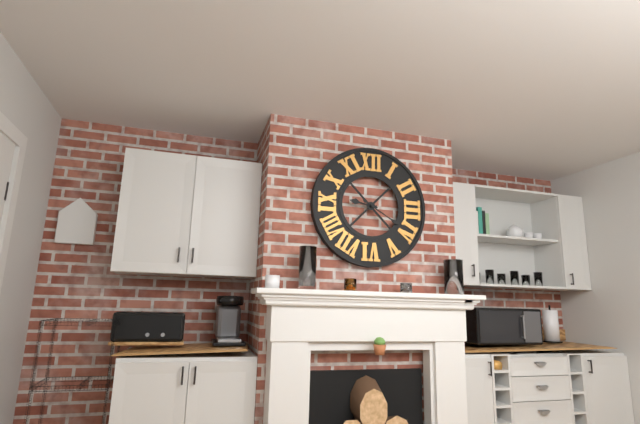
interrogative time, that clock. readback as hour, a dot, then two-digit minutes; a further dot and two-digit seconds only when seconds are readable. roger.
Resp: 9.20
